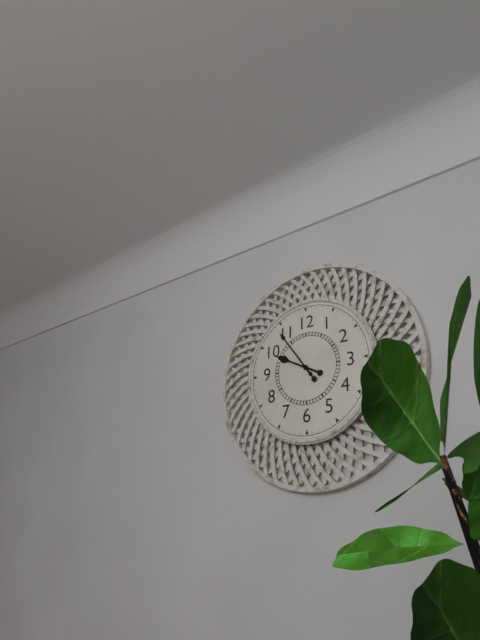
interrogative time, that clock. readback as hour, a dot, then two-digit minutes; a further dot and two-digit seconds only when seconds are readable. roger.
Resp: 9.54
